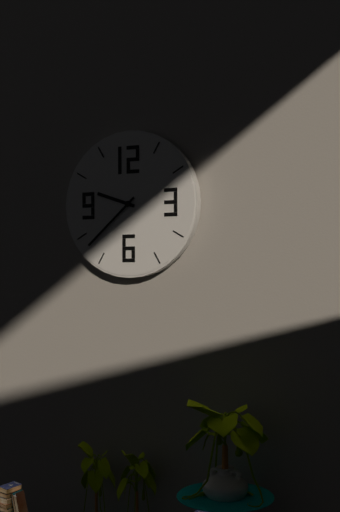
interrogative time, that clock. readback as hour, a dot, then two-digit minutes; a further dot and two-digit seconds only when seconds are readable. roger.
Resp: 9.38
